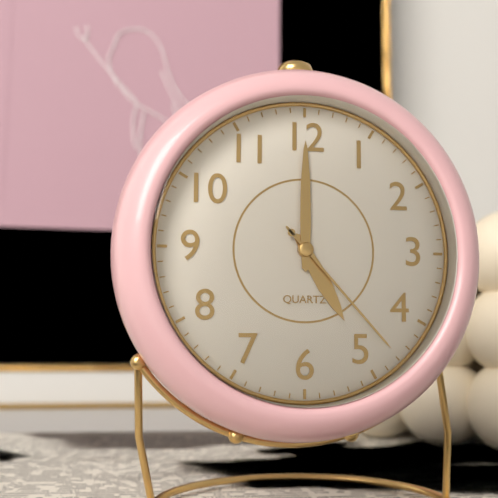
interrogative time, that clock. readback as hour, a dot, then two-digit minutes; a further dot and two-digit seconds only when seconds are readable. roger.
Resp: 5.00.23
